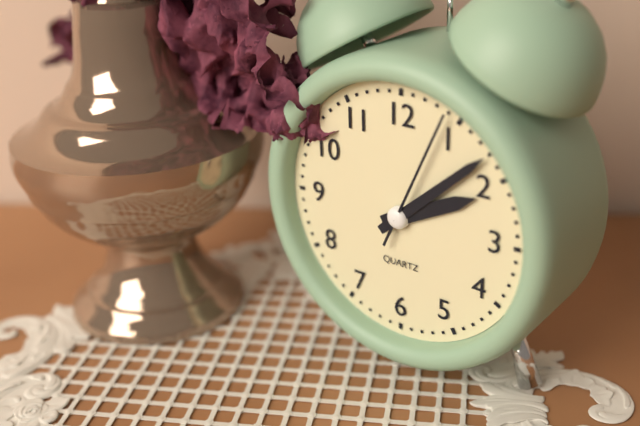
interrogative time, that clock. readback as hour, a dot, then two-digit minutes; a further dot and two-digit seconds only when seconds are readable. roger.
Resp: 2.08.04
